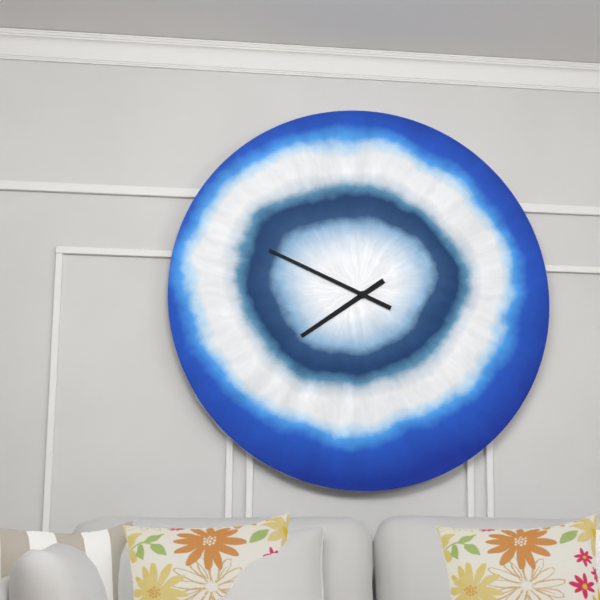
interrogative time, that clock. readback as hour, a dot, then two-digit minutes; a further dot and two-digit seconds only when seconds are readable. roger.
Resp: 7.49
